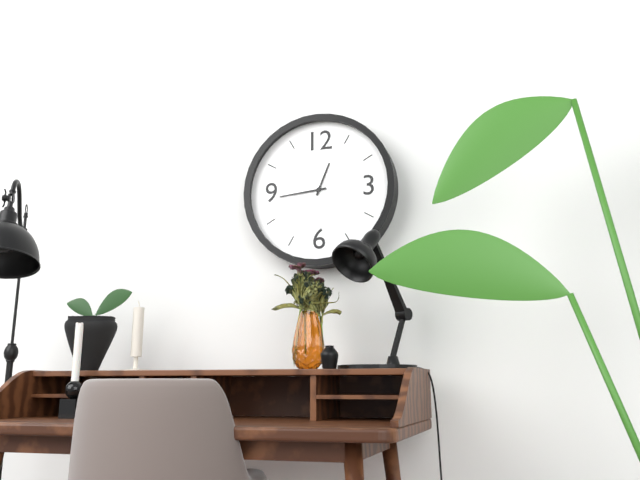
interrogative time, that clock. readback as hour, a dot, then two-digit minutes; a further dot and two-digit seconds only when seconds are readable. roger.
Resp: 12.44
